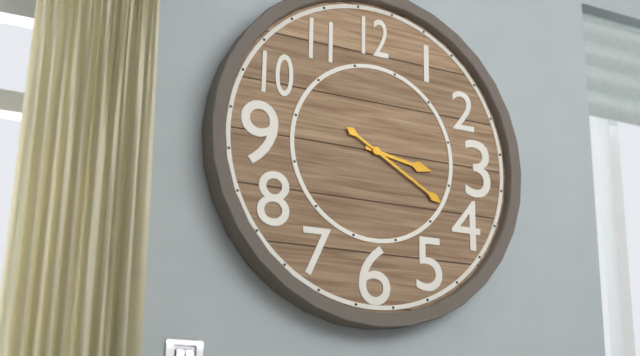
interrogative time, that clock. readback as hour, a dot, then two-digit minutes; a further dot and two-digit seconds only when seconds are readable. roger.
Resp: 3.20
